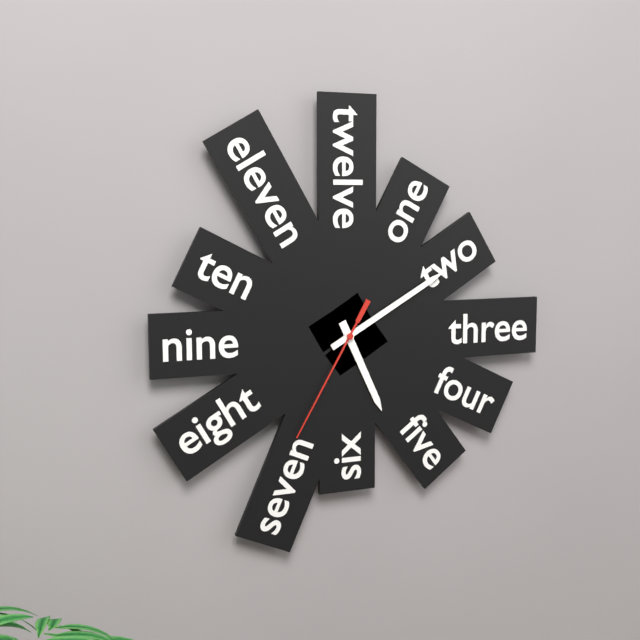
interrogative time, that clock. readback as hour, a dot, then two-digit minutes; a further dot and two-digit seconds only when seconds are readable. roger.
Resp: 5.10.35
